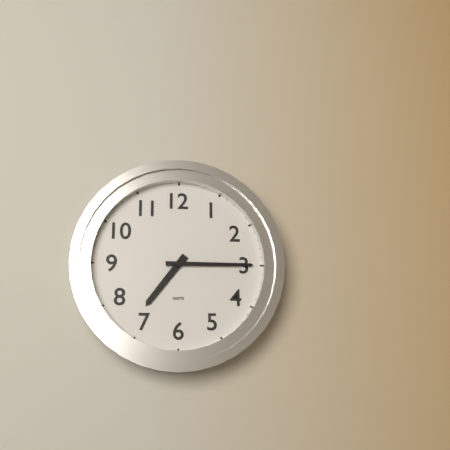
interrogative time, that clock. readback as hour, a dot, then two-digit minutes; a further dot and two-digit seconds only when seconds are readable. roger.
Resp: 7.15
